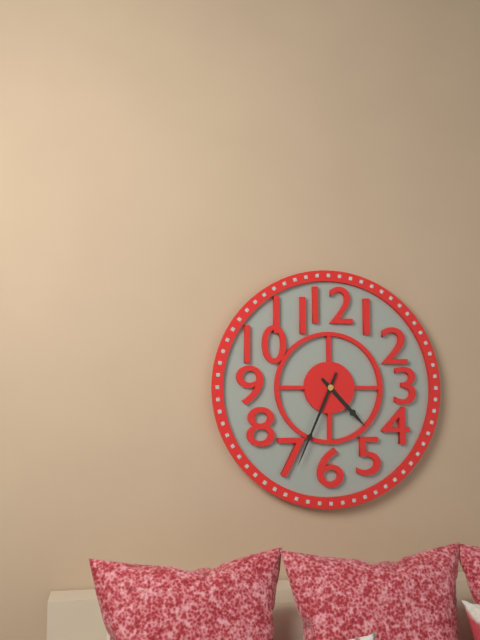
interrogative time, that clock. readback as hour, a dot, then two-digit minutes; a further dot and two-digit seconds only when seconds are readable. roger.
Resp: 4.34
